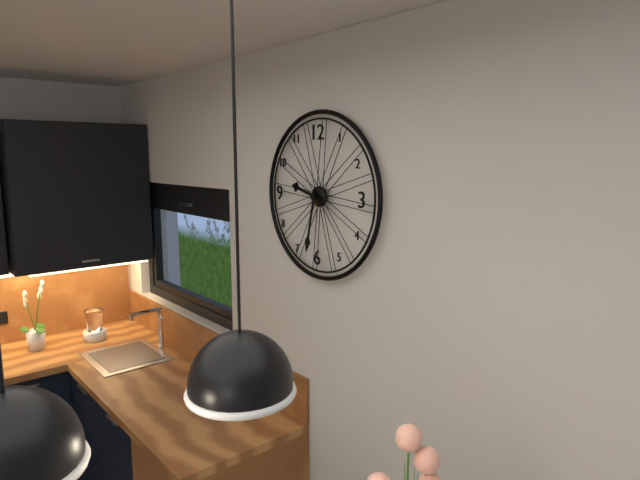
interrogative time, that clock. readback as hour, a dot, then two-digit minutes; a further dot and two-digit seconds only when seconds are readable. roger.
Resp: 9.32
